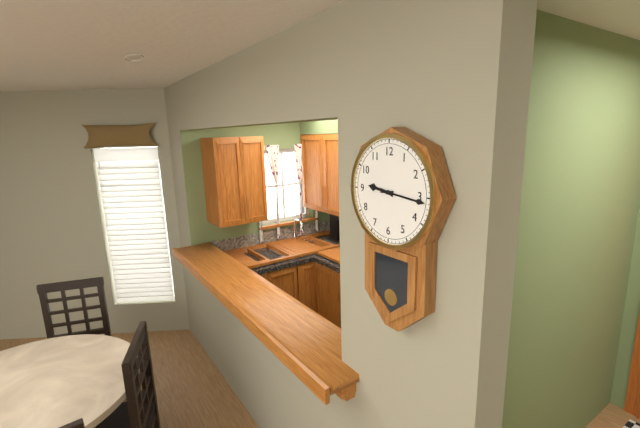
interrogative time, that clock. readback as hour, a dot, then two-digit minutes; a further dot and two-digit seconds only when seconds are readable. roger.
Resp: 9.16
